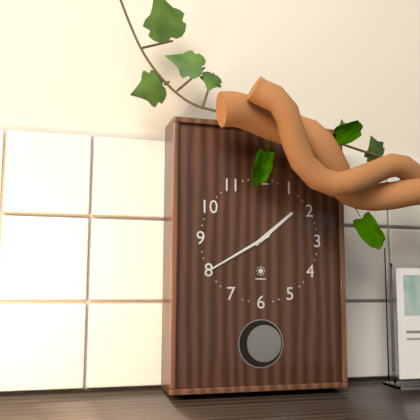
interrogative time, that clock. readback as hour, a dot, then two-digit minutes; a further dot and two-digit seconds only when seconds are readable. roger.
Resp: 1.40
